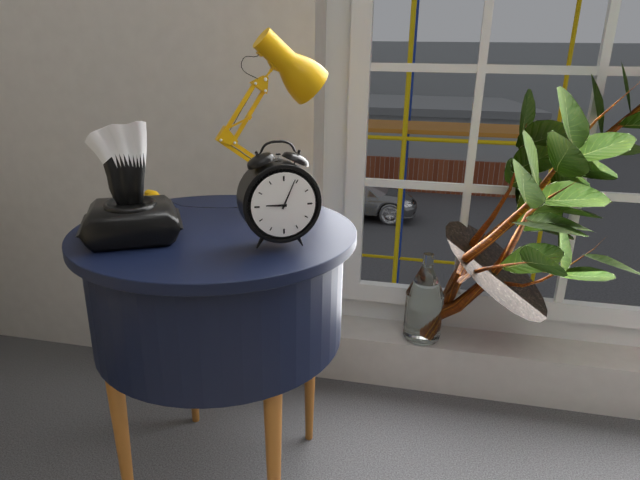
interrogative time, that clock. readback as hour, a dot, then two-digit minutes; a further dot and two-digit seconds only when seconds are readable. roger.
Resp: 9.04
